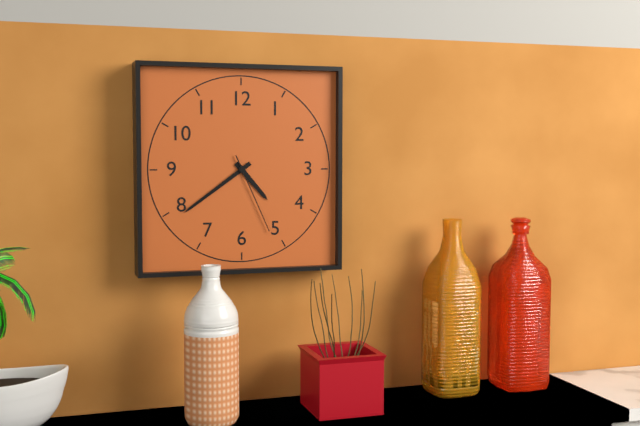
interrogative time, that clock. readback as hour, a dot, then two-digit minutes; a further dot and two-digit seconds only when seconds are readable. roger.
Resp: 4.39.26
